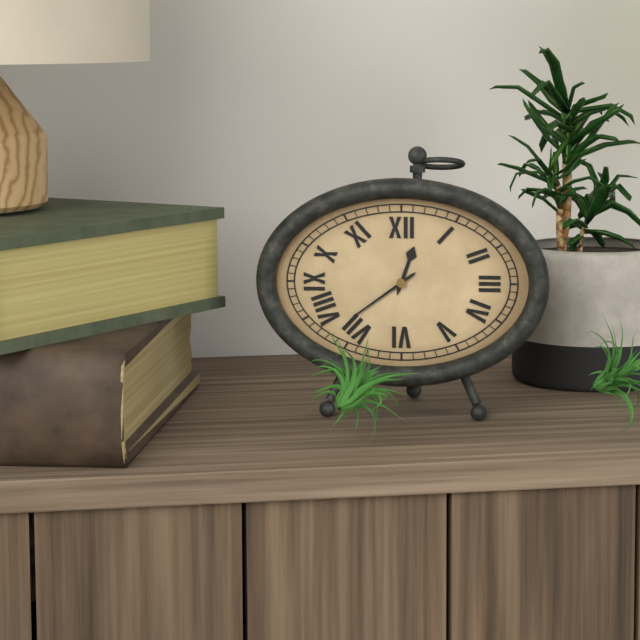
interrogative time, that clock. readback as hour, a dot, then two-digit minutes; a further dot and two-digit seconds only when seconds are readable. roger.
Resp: 12.39
